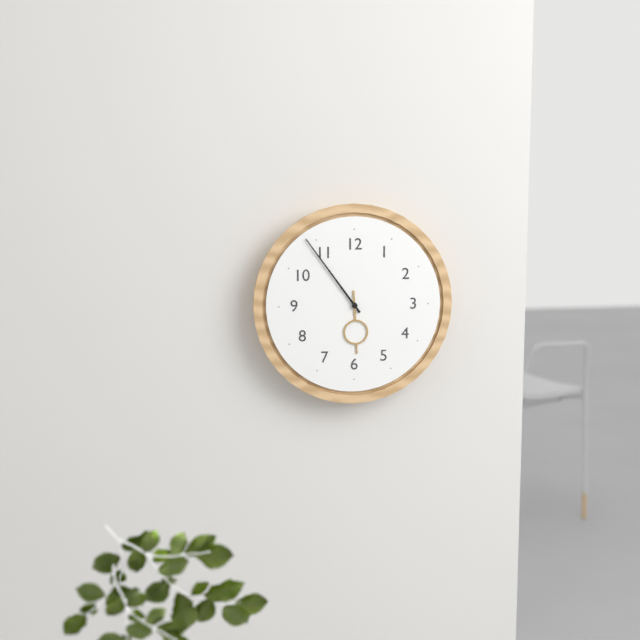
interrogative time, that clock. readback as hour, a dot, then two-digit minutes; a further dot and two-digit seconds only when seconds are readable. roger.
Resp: 5.54
